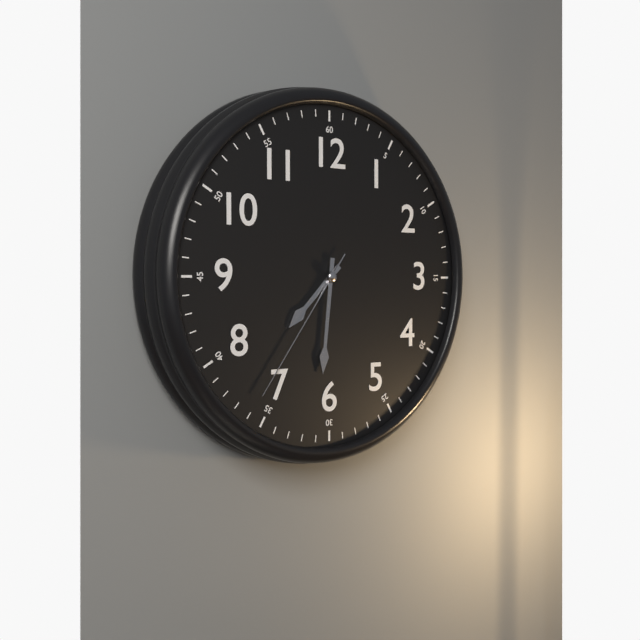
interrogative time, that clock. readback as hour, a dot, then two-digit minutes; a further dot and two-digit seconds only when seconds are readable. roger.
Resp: 7.31.36
